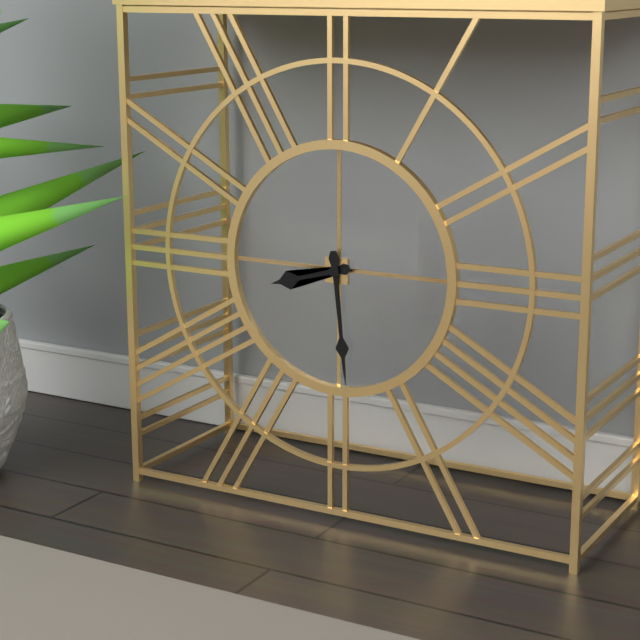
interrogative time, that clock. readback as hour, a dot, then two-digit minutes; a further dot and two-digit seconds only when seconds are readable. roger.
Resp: 8.29
